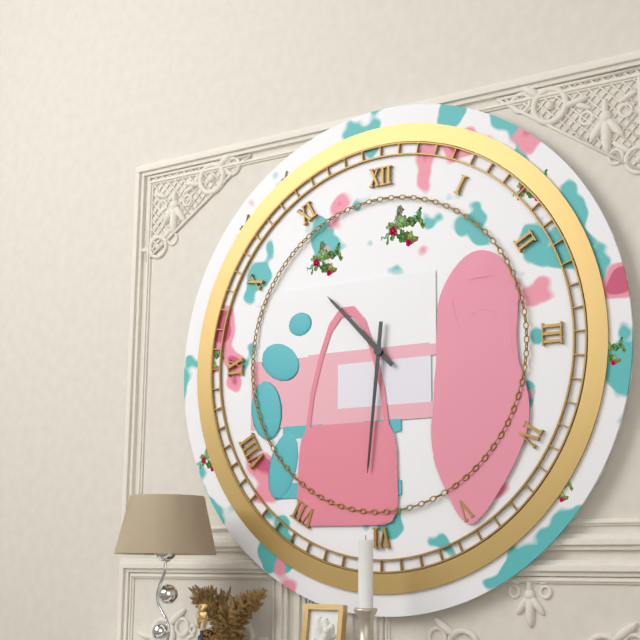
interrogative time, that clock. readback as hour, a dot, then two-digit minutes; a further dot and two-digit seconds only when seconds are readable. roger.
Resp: 10.31
